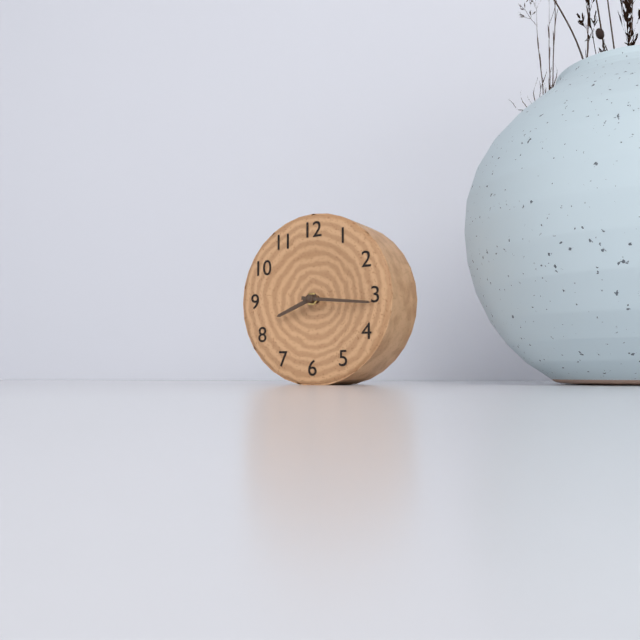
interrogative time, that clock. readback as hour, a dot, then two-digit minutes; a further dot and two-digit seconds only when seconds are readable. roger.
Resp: 8.16
